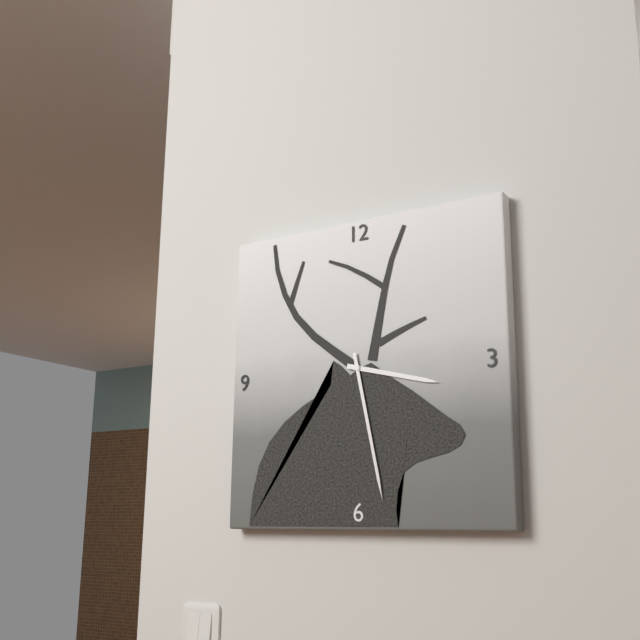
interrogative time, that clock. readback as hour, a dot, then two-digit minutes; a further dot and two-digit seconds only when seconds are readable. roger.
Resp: 3.28
